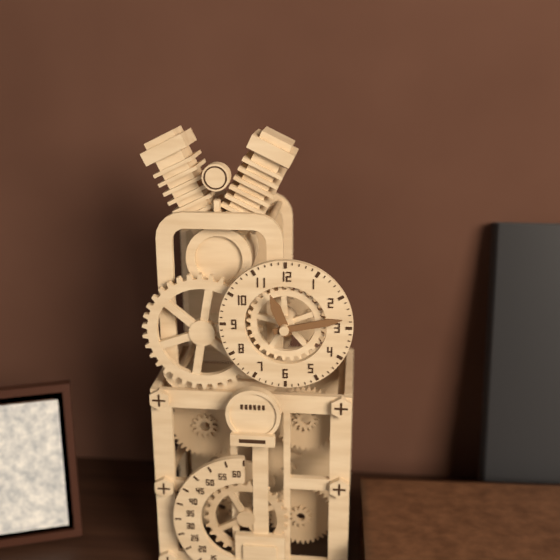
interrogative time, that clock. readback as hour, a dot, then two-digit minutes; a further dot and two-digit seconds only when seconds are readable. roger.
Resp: 11.13
